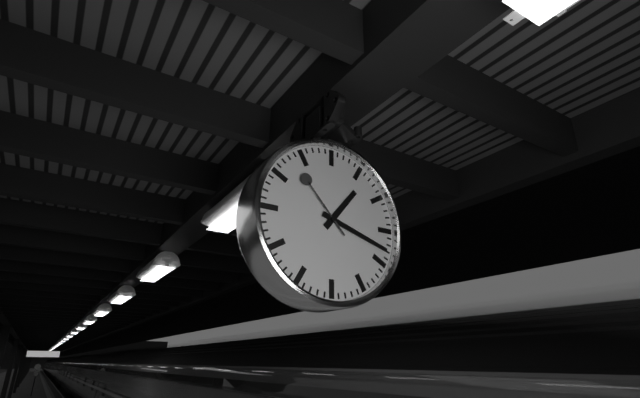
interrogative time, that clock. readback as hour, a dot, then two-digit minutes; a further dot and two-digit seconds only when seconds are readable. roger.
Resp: 1.18.53
